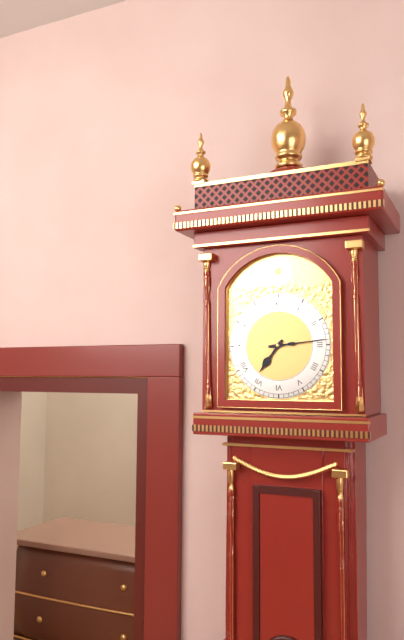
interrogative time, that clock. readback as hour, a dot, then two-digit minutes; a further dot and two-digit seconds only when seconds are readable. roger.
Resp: 7.14
